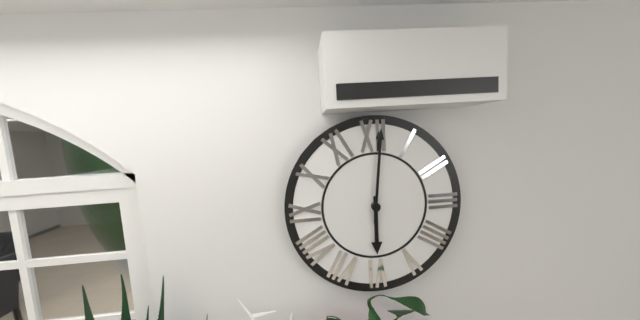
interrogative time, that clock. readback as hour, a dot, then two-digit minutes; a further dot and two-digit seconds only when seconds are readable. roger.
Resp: 6.01
